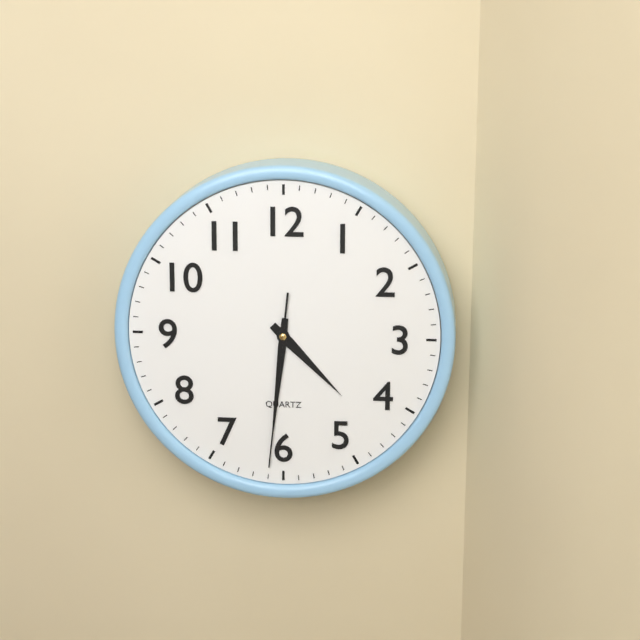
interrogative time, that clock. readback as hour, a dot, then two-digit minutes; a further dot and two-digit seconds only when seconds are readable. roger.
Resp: 4.31.31
